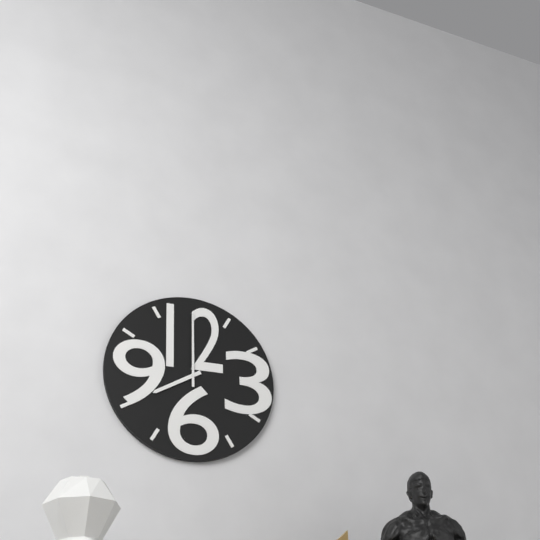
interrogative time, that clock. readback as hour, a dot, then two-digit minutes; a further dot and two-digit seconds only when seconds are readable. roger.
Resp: 8.00
